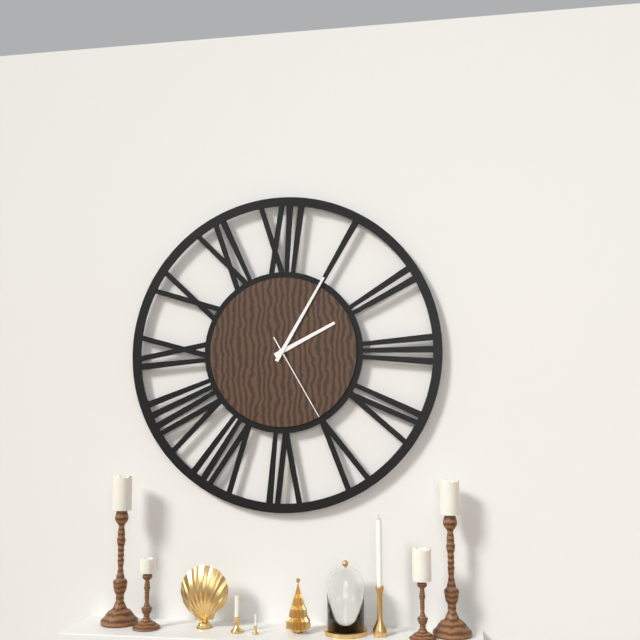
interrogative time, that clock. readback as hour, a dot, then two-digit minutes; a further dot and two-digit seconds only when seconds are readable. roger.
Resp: 2.05.25
